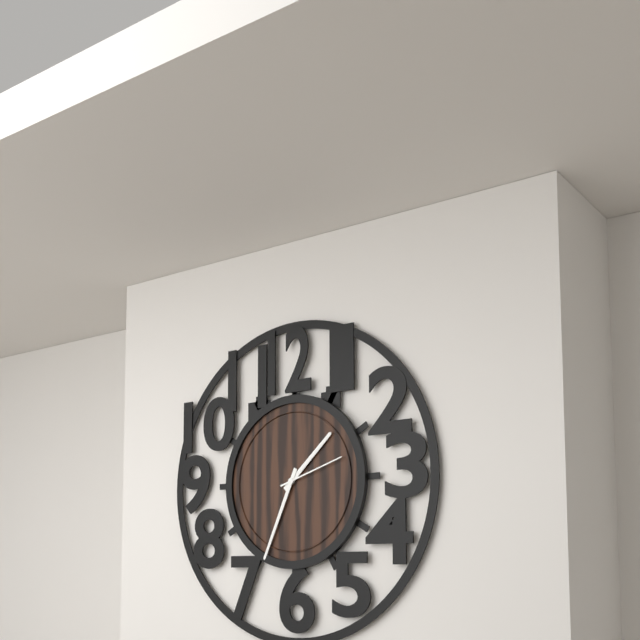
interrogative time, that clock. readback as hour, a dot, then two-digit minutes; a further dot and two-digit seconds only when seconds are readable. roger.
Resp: 1.34.12
